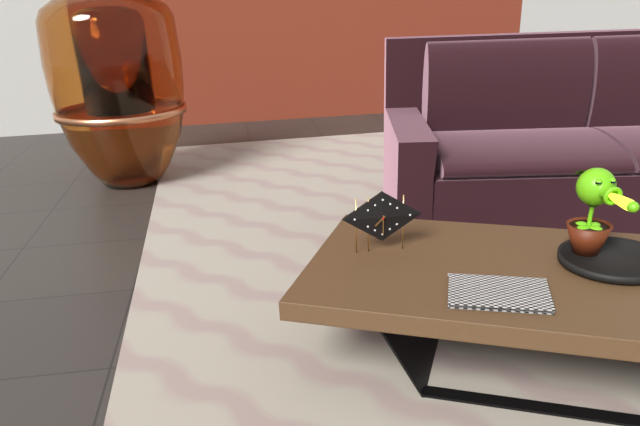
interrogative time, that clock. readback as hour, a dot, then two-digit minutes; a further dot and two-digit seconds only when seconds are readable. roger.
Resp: 7.30
